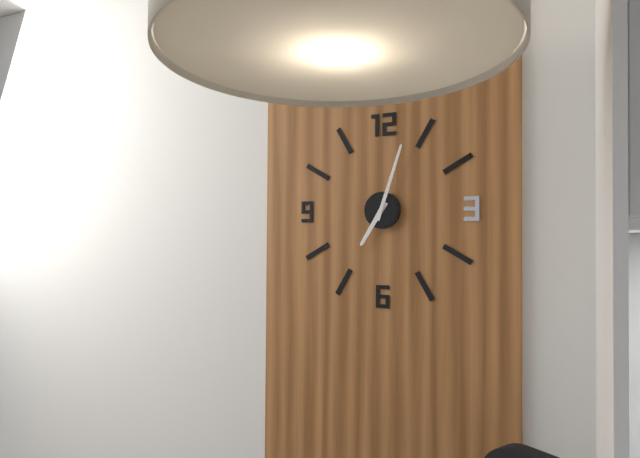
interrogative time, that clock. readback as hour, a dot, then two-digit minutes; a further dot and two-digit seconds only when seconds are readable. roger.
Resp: 7.03
